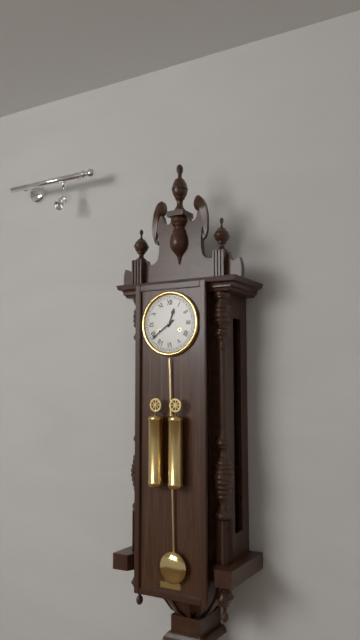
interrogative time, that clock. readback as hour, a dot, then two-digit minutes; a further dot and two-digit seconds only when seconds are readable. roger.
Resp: 12.39
